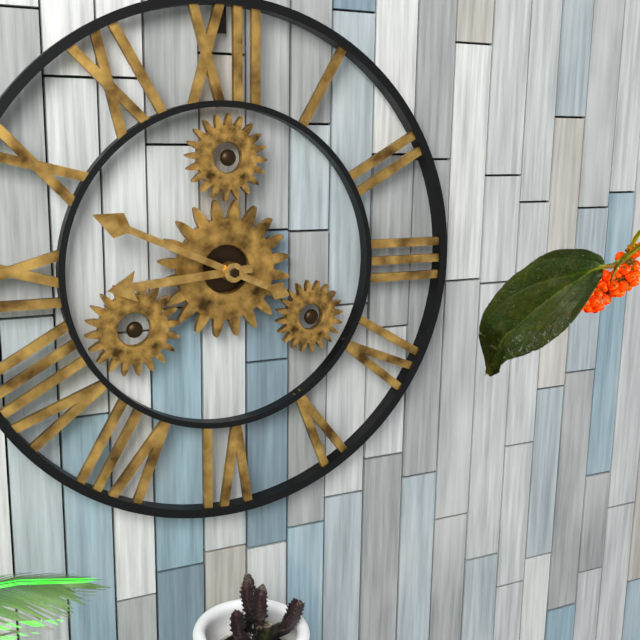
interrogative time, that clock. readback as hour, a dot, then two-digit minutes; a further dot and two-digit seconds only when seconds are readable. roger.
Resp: 8.49
